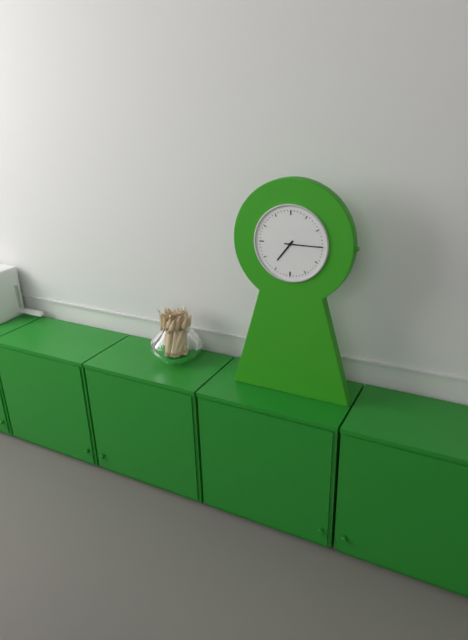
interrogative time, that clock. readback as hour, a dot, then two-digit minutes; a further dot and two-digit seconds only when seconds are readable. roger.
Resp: 7.15
